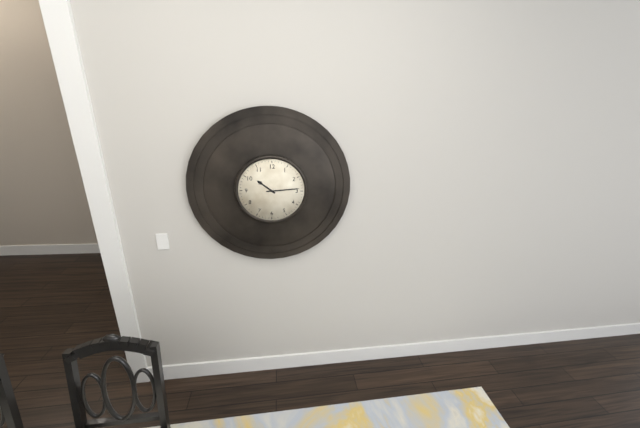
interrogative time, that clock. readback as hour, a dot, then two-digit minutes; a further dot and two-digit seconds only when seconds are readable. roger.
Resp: 10.14
